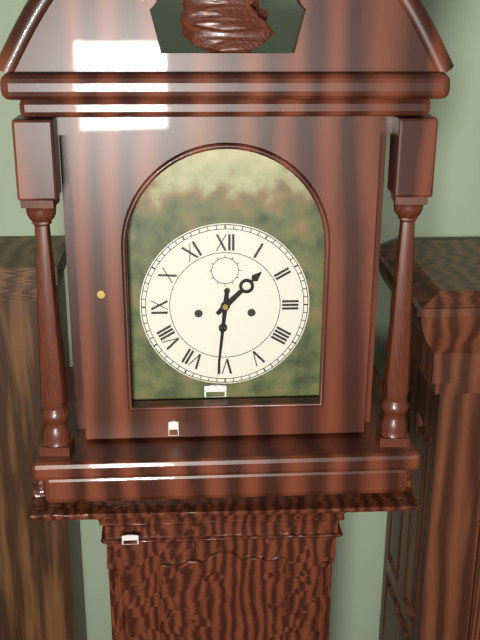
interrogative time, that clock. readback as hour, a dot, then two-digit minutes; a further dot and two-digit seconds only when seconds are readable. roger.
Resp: 1.31
